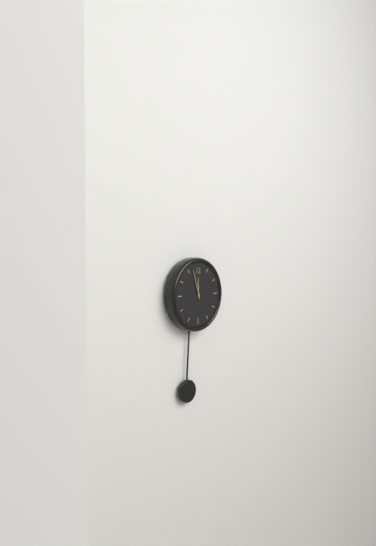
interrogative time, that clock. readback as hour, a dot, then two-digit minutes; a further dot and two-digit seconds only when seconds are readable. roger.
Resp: 11.57
